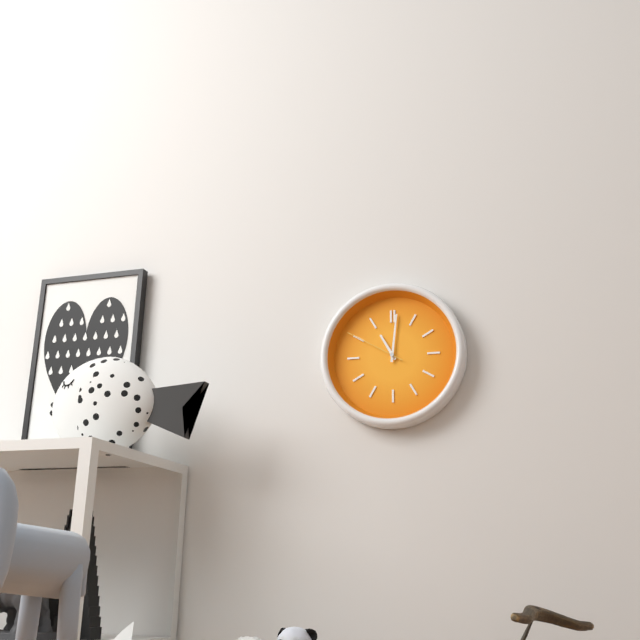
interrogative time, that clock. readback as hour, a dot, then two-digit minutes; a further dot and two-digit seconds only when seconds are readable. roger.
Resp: 11.01.50
